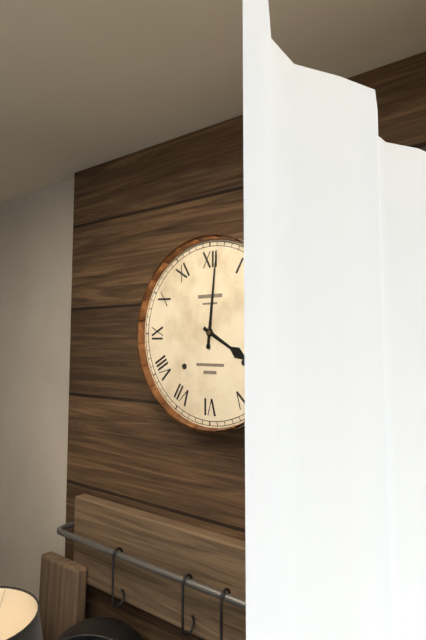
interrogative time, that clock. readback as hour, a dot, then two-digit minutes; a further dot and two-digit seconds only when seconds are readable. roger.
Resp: 4.01
